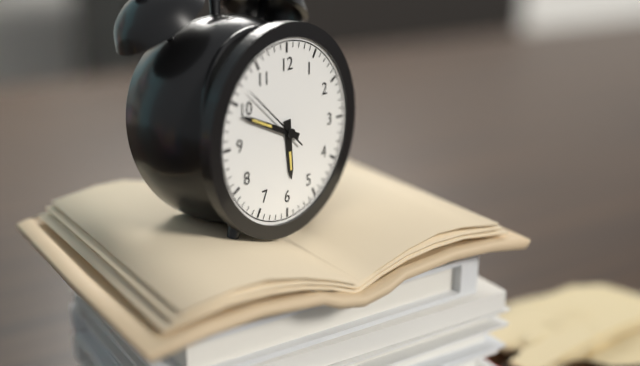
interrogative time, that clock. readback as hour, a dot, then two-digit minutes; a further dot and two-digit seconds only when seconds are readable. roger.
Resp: 5.49.52
